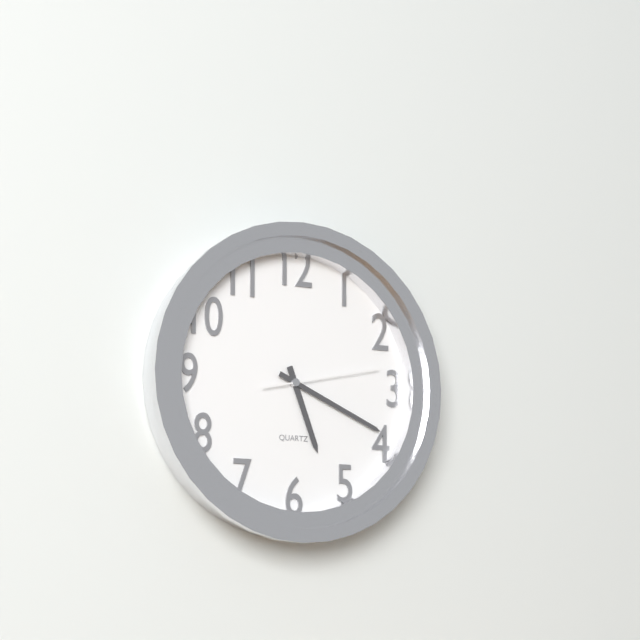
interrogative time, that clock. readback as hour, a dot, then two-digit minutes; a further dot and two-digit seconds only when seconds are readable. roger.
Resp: 5.19.13
